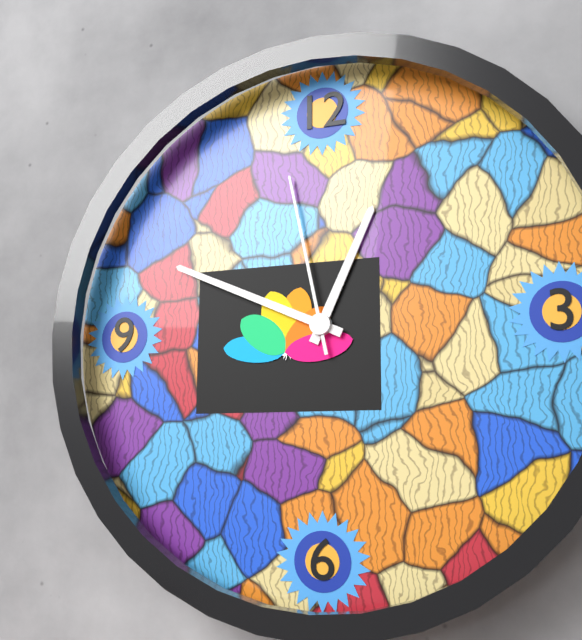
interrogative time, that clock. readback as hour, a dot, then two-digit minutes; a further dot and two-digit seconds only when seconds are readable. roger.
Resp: 12.49.58
